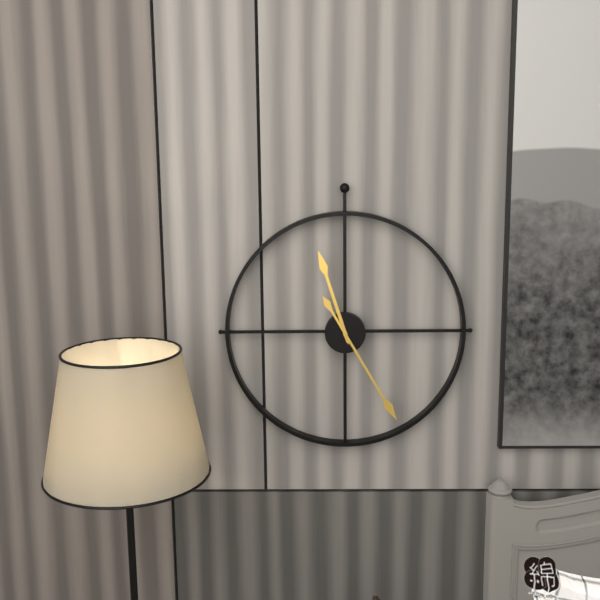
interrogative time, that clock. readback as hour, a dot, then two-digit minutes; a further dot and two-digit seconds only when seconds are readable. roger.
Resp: 11.25
